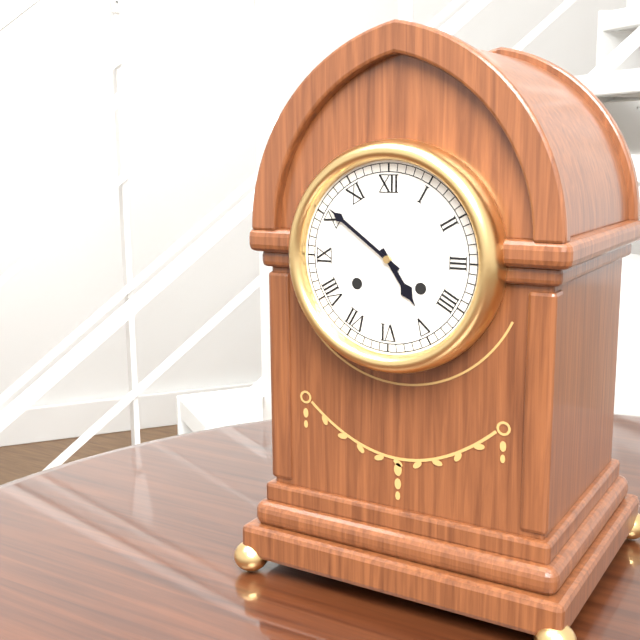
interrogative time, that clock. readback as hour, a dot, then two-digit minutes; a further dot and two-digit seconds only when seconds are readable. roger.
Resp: 4.51
